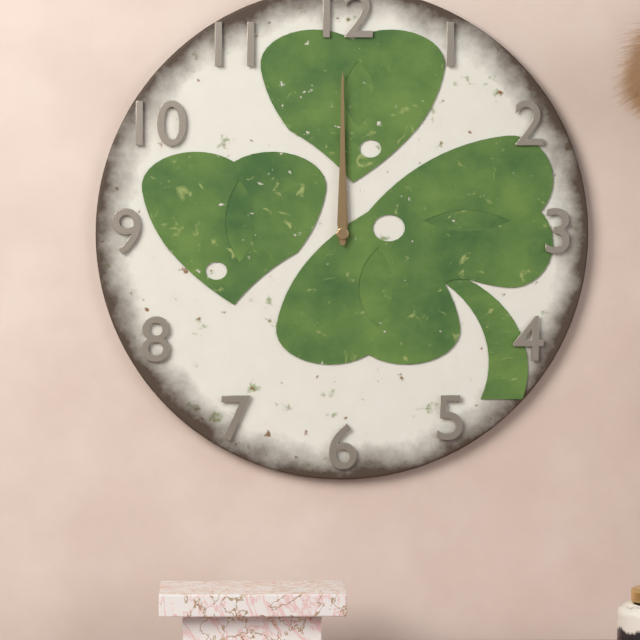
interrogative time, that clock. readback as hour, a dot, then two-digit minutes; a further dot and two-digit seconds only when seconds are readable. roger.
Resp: 12.00
